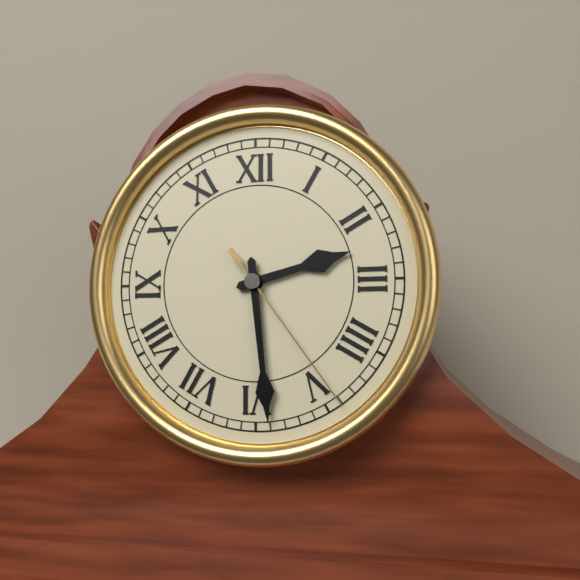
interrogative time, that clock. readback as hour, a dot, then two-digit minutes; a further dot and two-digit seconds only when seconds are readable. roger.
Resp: 2.29.24
